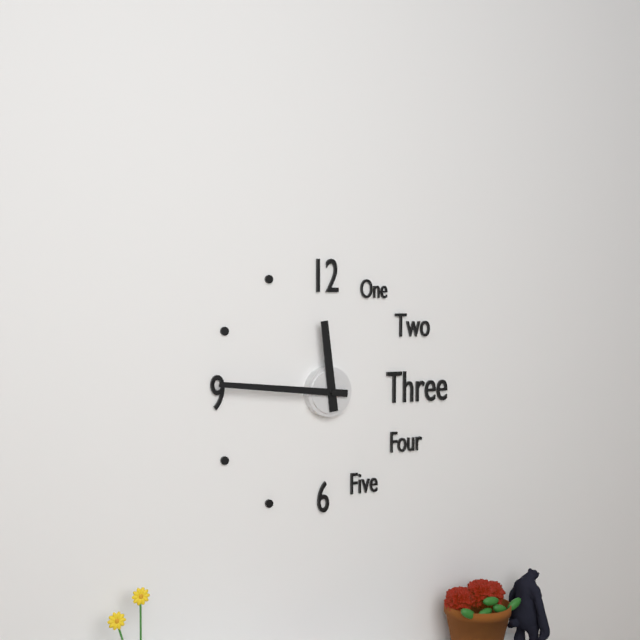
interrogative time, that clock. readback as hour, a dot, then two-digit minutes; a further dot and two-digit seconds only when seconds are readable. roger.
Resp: 11.46
